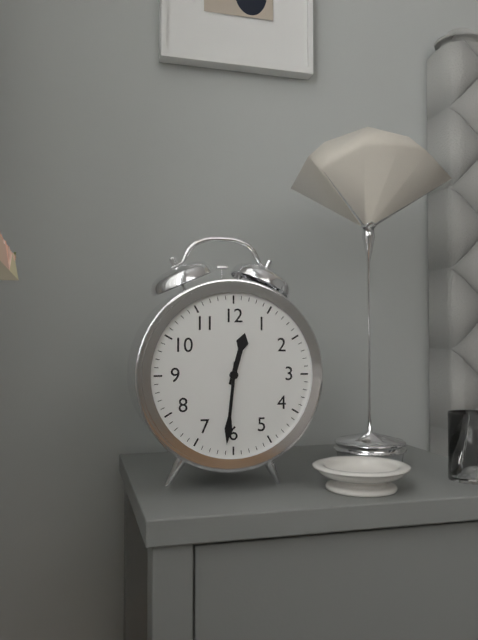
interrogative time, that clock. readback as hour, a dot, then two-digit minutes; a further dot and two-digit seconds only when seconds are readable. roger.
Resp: 12.31
